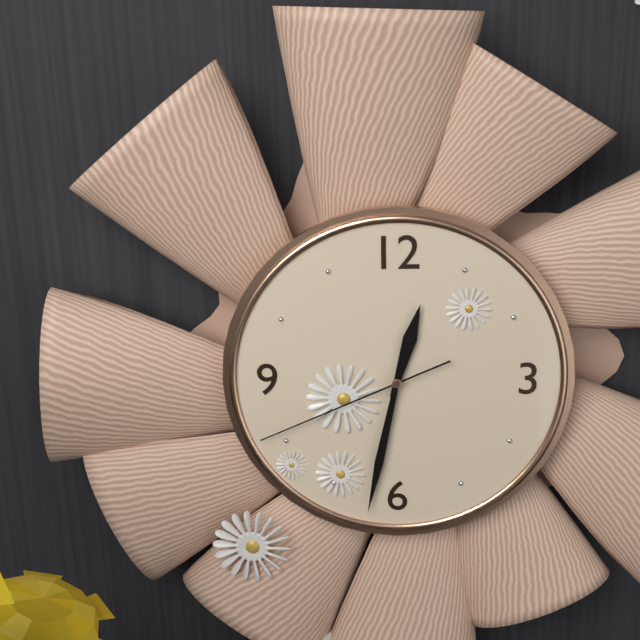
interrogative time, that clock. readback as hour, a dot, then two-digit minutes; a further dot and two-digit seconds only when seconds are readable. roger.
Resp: 12.32.41
